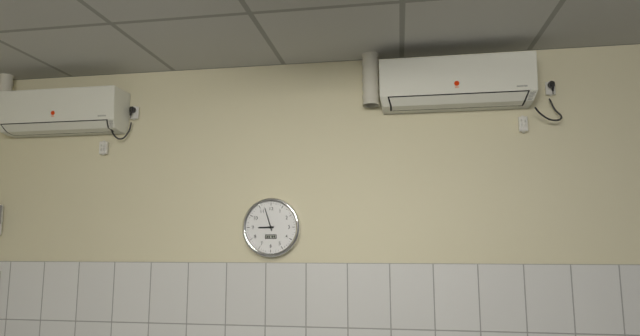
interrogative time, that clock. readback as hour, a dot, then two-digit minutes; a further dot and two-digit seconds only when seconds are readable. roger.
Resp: 8.57
